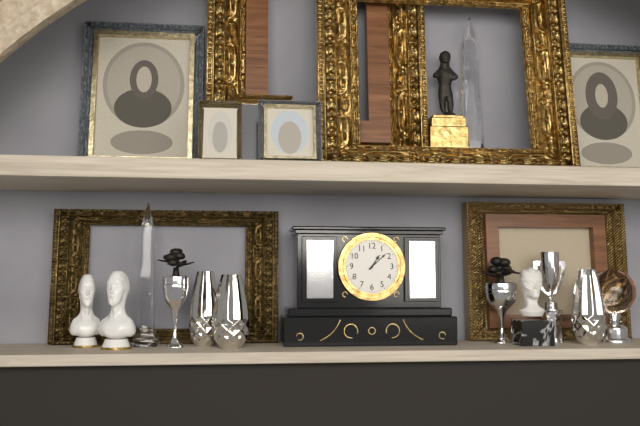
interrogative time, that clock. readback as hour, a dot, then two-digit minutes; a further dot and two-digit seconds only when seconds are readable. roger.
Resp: 1.08
